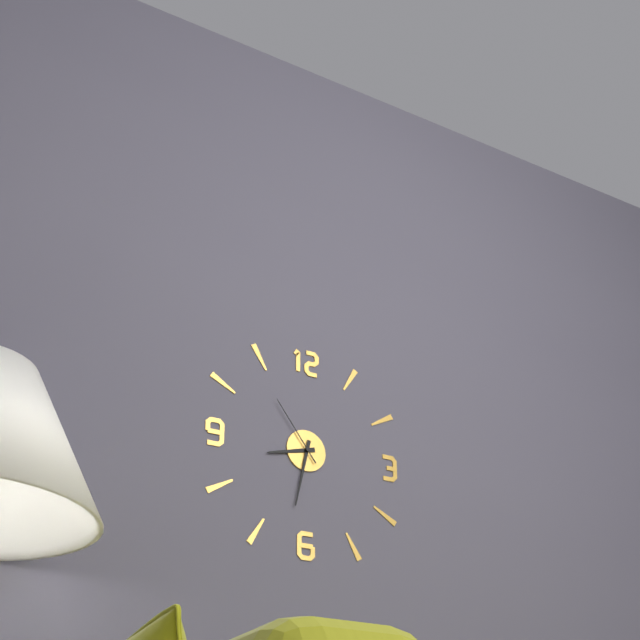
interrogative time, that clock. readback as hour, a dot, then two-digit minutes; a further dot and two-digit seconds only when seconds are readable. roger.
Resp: 8.32.54
